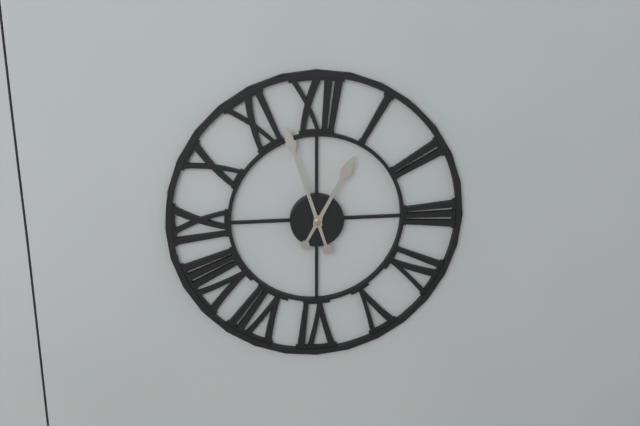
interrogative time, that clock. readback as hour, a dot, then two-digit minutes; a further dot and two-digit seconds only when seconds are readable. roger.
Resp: 12.57
